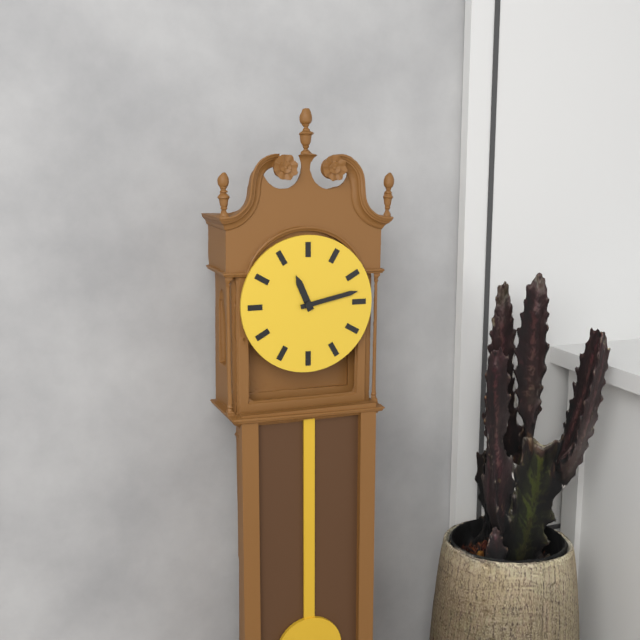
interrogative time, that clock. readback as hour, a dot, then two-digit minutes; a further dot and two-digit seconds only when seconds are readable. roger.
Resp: 11.13
